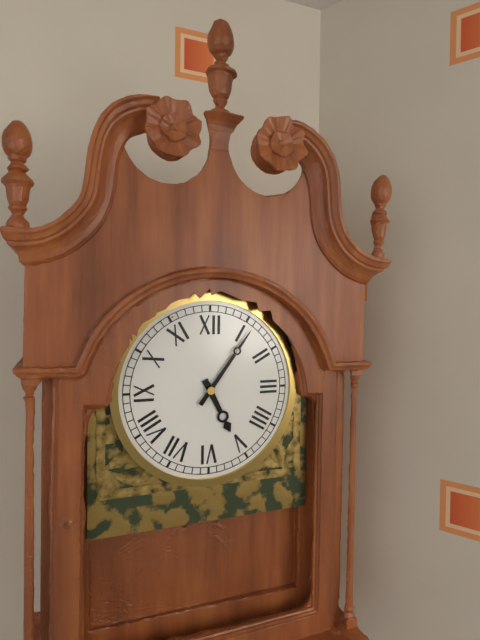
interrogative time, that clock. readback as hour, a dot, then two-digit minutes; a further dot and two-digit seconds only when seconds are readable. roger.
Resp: 5.06
